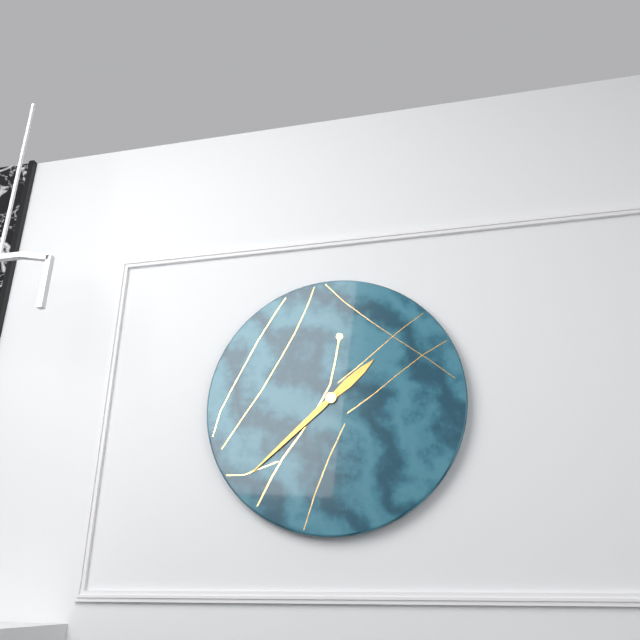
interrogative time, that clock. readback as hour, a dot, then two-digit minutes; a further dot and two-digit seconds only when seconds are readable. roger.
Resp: 1.38
